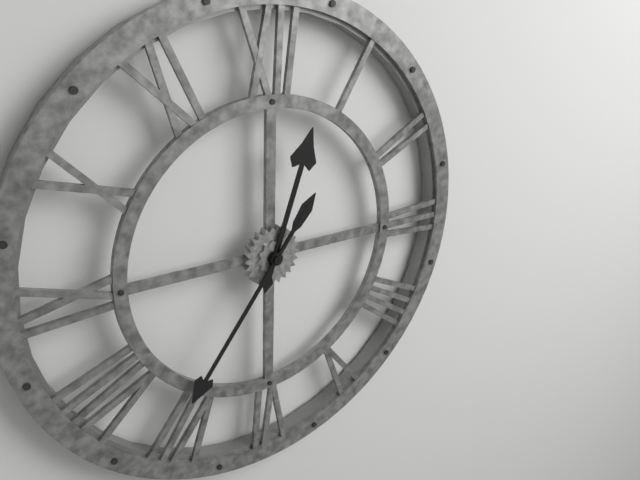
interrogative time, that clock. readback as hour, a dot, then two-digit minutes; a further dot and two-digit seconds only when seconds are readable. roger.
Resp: 12.36
